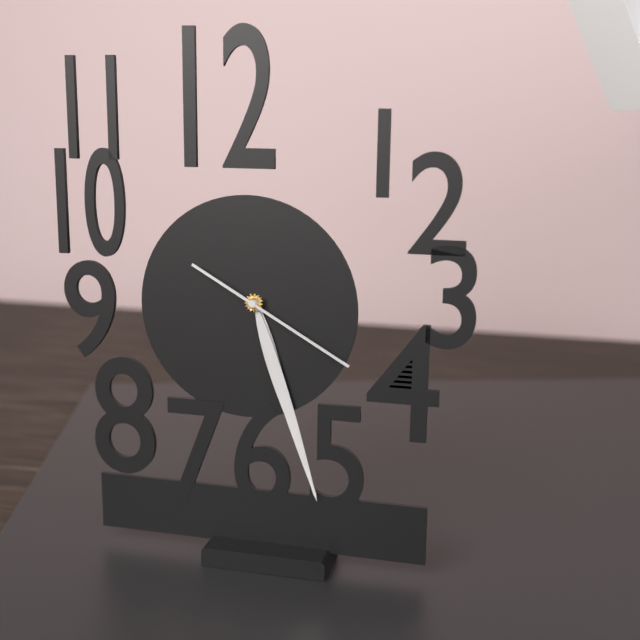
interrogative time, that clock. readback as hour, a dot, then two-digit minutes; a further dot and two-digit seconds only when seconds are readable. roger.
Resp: 5.27.20
